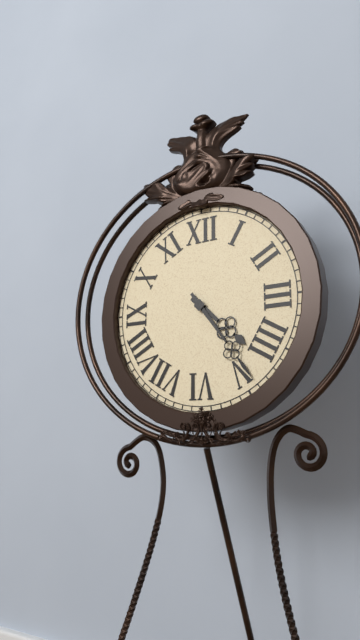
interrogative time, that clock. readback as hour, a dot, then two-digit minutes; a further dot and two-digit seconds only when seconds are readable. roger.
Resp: 4.24
